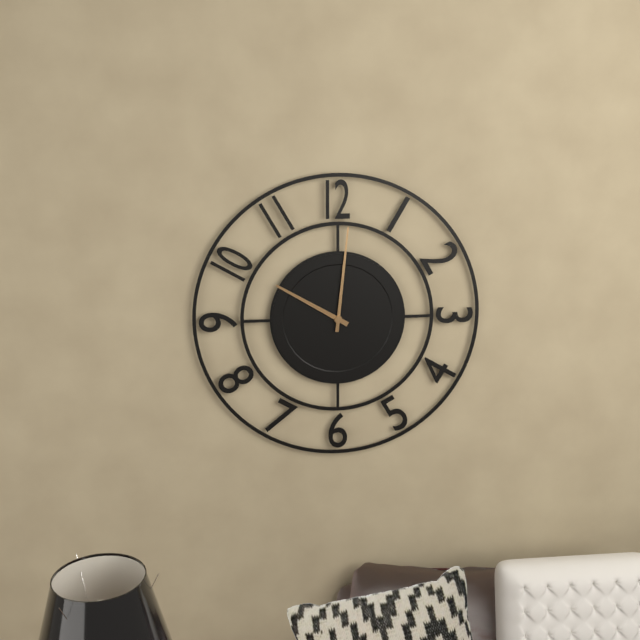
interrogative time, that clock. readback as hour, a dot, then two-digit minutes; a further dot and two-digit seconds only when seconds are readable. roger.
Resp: 10.01
